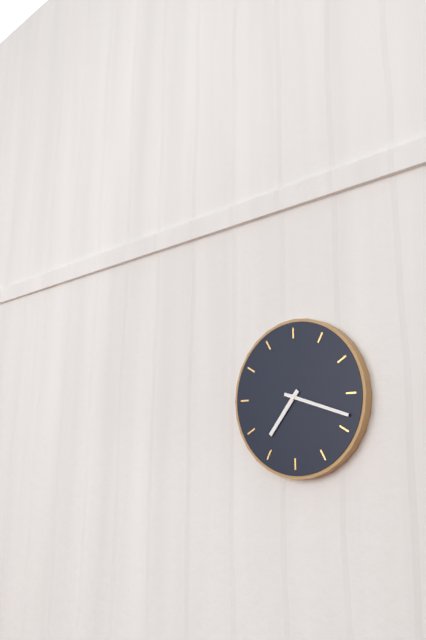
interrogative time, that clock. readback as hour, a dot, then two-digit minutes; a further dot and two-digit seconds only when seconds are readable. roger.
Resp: 7.18
